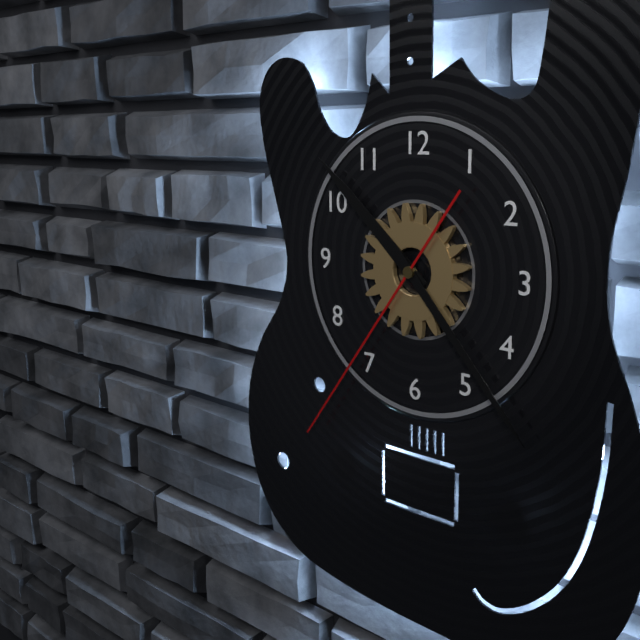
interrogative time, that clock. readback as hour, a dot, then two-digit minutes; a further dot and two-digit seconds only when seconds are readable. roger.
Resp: 10.23.36
